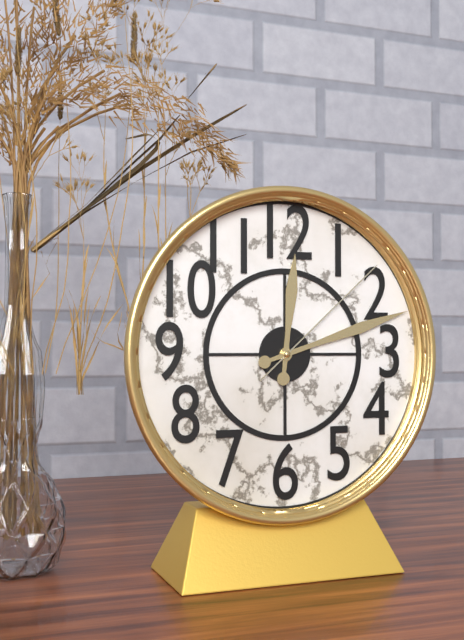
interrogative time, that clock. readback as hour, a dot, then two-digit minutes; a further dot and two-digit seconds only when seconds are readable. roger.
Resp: 12.12.08
